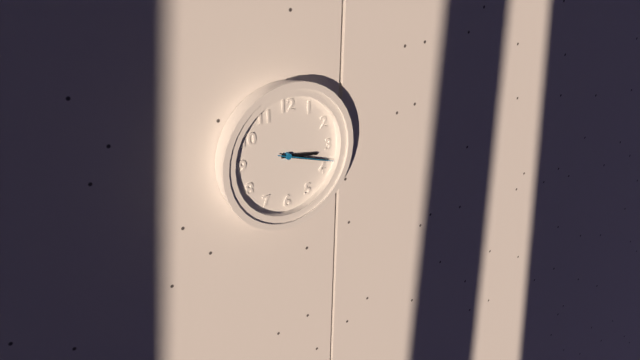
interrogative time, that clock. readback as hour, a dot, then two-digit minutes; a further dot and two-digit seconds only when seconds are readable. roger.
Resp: 3.18.18
